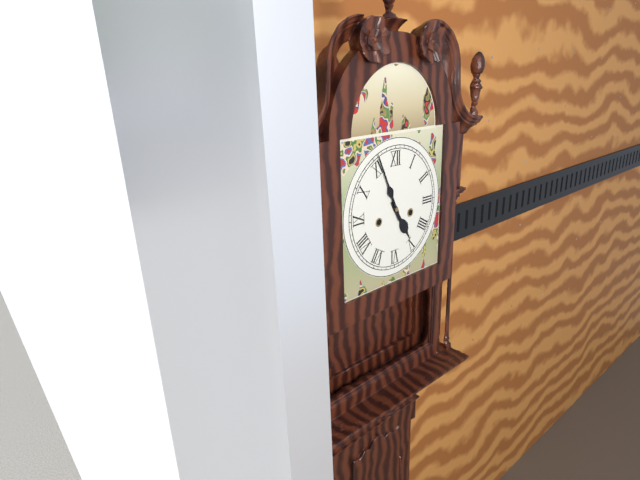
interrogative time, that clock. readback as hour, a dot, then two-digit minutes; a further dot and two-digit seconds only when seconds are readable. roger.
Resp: 4.56
